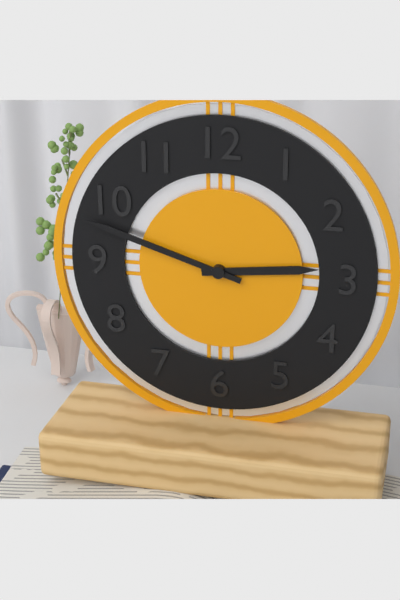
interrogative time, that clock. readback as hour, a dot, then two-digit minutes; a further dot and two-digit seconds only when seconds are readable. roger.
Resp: 2.48
